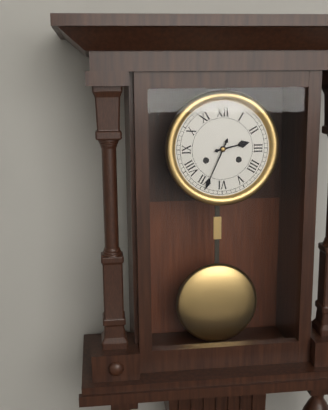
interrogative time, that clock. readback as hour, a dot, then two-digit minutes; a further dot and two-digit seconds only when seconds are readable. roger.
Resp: 2.34
